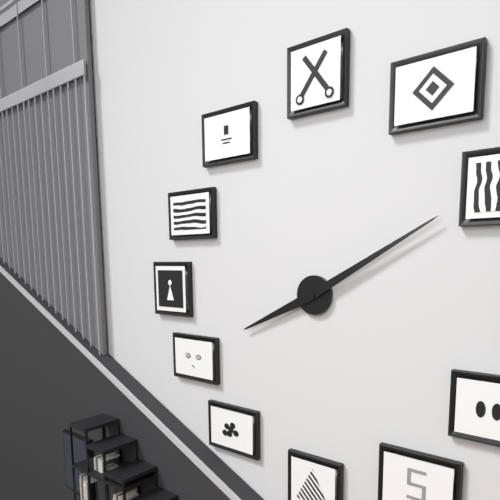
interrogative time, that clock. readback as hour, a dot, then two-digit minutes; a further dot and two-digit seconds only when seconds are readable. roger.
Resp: 8.10
